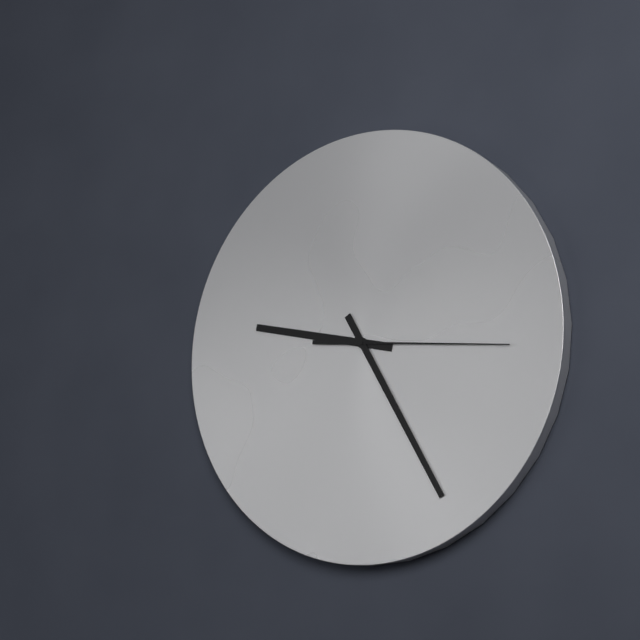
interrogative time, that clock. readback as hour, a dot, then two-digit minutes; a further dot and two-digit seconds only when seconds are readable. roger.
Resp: 9.25.16
